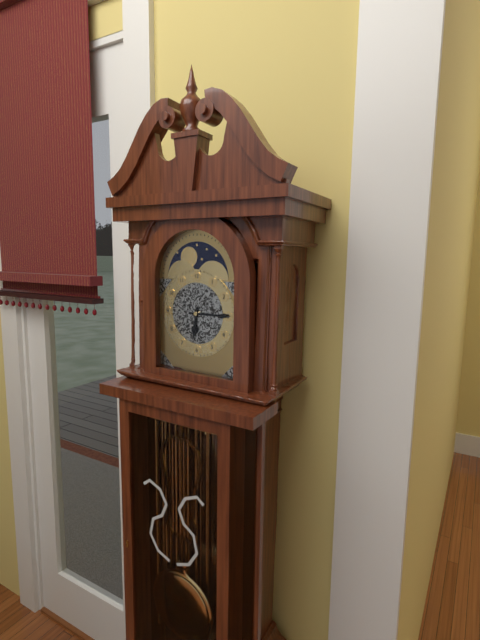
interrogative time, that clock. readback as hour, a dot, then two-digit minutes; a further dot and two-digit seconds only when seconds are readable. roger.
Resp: 6.15
